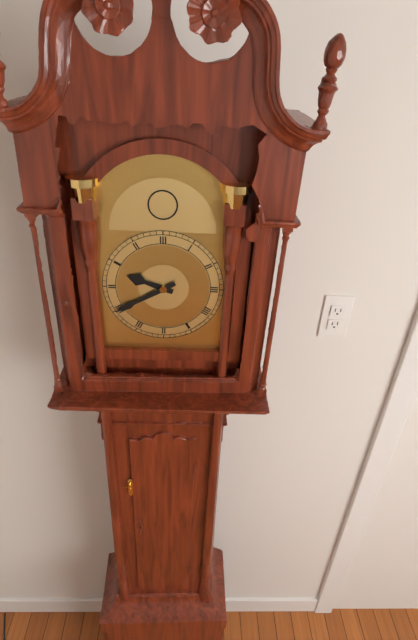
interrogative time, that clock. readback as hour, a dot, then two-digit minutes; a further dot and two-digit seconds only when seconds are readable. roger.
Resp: 9.40
